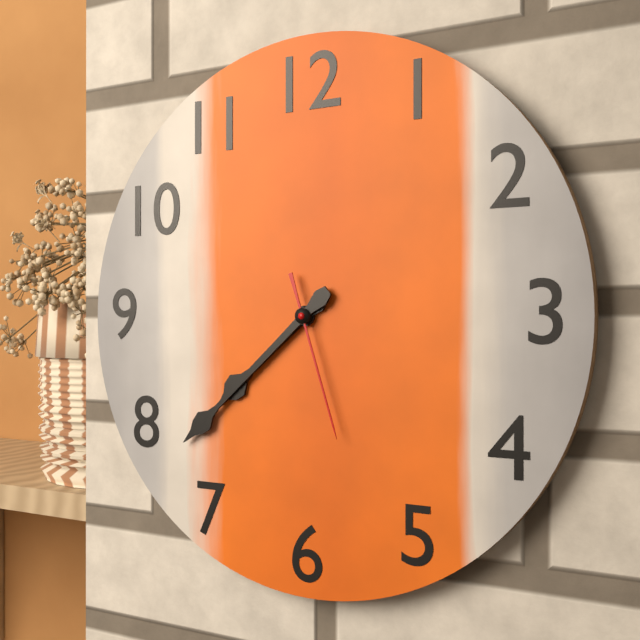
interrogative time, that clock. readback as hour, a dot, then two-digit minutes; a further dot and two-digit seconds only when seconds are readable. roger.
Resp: 7.38.27
